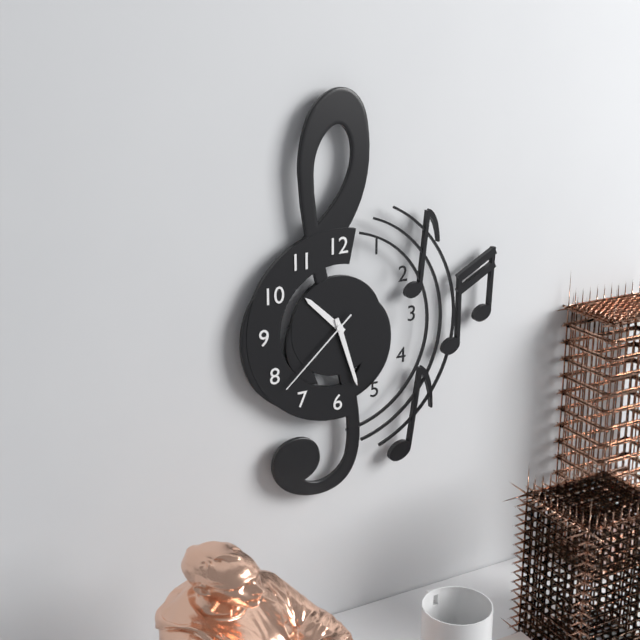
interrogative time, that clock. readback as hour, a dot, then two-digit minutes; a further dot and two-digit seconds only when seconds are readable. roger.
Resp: 10.27.38
